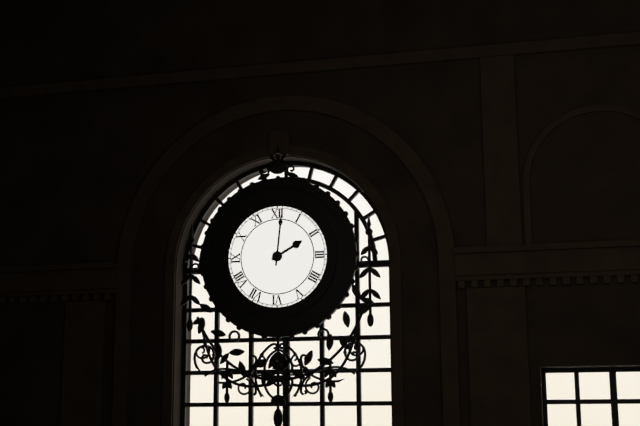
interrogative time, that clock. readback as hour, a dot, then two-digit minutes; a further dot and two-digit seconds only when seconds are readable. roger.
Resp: 2.01
